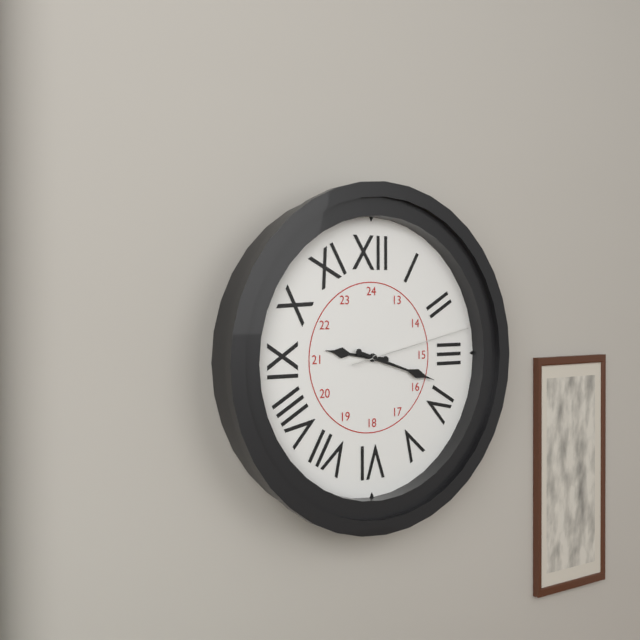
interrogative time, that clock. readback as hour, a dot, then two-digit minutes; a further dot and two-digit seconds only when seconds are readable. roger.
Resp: 9.18.13
